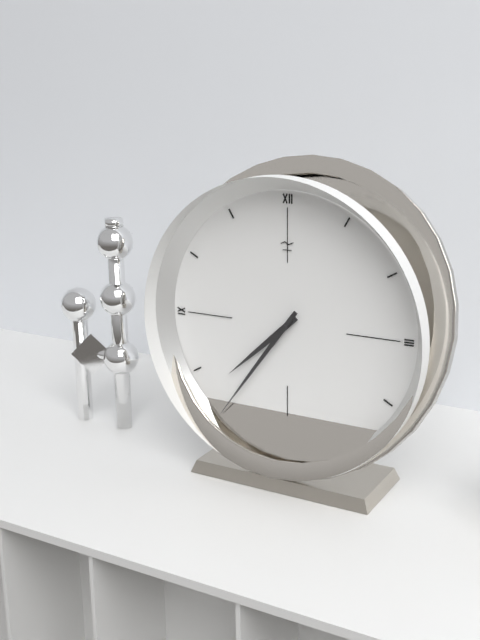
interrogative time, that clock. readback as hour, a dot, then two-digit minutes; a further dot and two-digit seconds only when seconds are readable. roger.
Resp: 7.36
